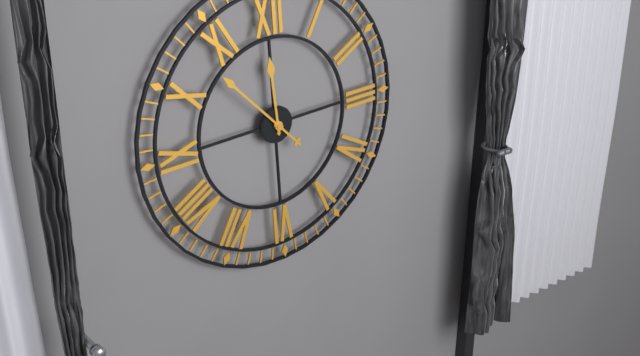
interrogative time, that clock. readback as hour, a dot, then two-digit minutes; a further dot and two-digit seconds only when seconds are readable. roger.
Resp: 11.53
